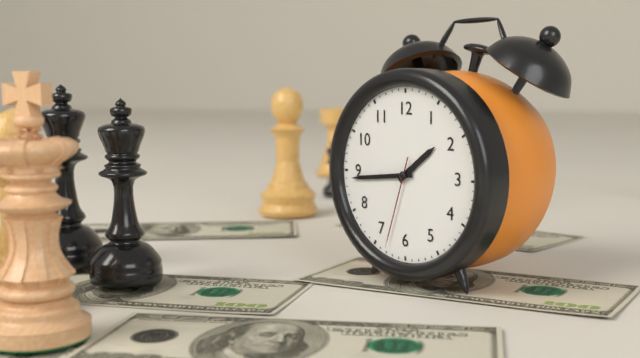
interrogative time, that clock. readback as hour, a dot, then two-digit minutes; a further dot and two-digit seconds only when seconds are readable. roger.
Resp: 1.44.33
